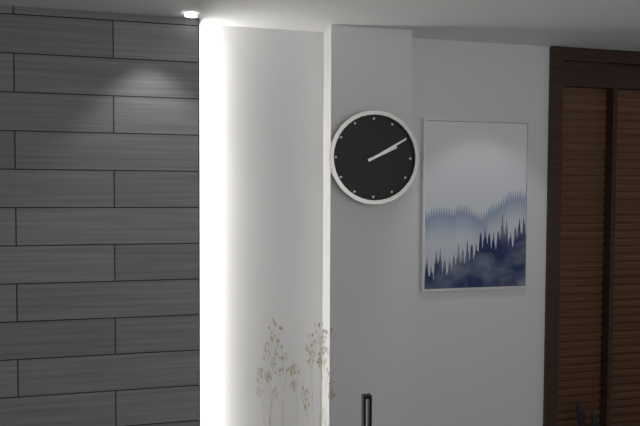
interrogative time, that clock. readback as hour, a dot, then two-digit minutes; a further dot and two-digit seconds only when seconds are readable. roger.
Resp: 2.10
